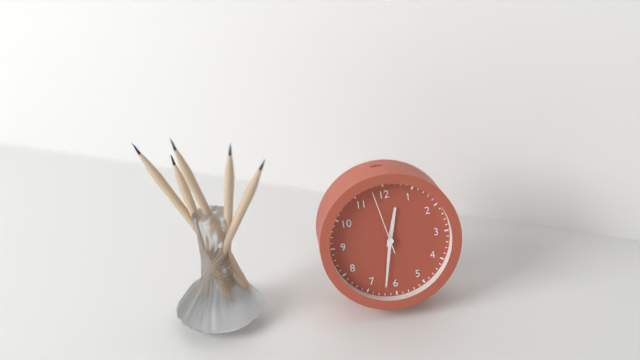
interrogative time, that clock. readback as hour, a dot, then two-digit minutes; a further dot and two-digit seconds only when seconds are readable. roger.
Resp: 12.32.58
